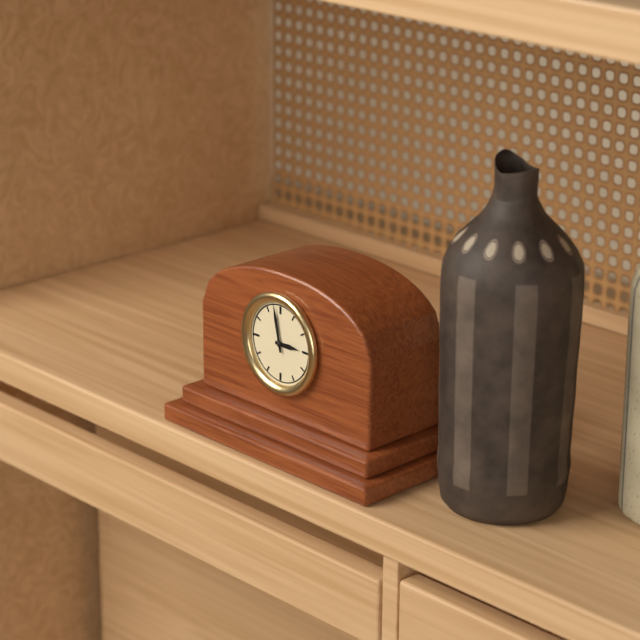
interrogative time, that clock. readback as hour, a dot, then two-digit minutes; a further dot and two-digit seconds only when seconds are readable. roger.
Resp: 2.58
